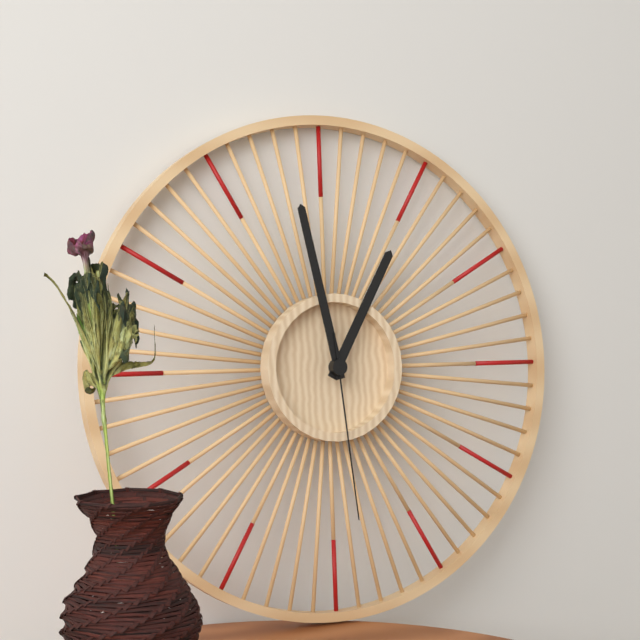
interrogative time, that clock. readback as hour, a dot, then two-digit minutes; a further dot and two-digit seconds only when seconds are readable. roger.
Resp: 12.58.29
